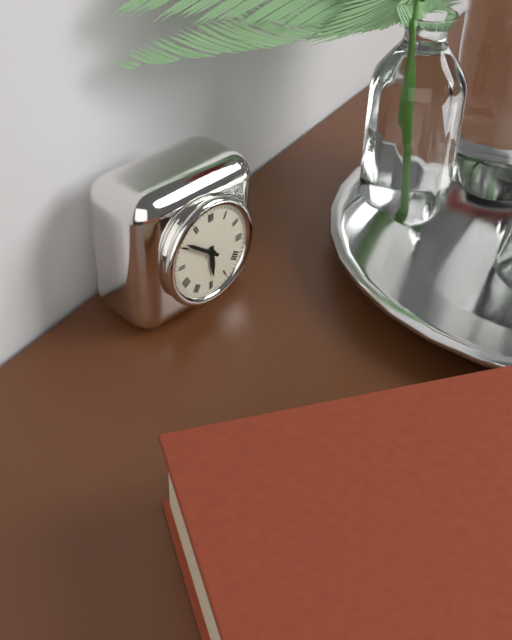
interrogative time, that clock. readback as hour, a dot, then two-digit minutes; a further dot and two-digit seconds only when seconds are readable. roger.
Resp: 5.51
